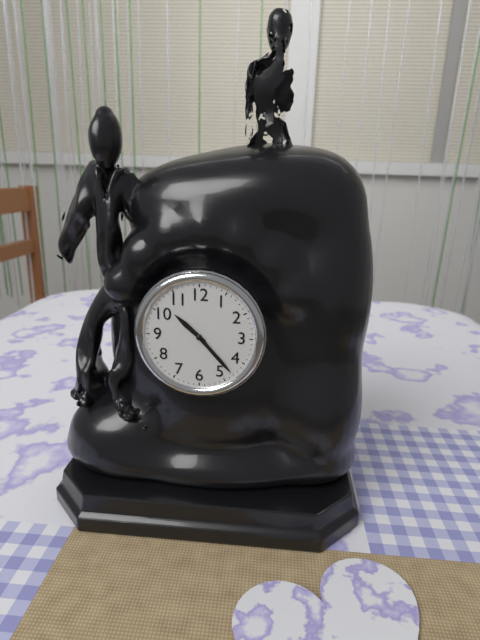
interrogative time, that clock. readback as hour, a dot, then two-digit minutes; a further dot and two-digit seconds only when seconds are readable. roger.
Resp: 10.23
